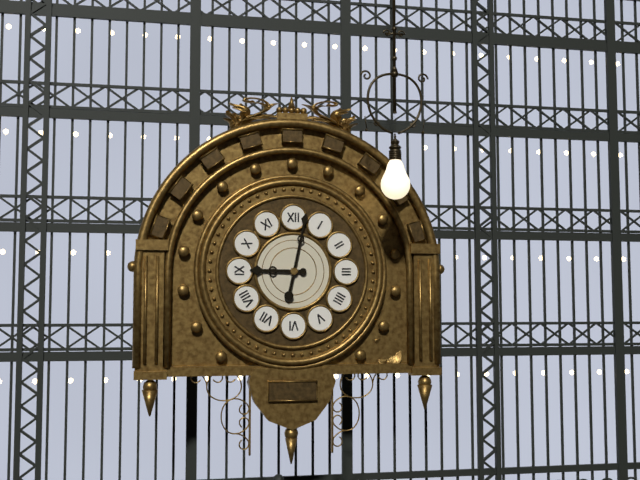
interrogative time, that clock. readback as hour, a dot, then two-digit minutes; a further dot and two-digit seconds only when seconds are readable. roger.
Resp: 9.02
